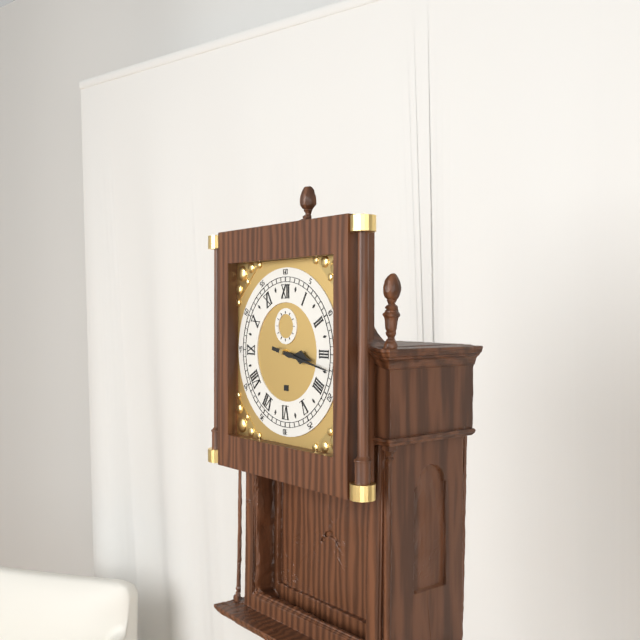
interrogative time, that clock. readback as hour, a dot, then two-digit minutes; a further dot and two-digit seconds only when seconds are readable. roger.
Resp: 3.17
